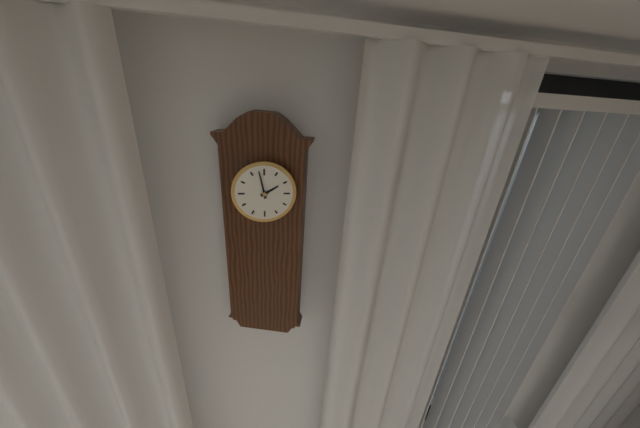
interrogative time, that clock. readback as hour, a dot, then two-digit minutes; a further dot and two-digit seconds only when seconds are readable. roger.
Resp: 1.58
